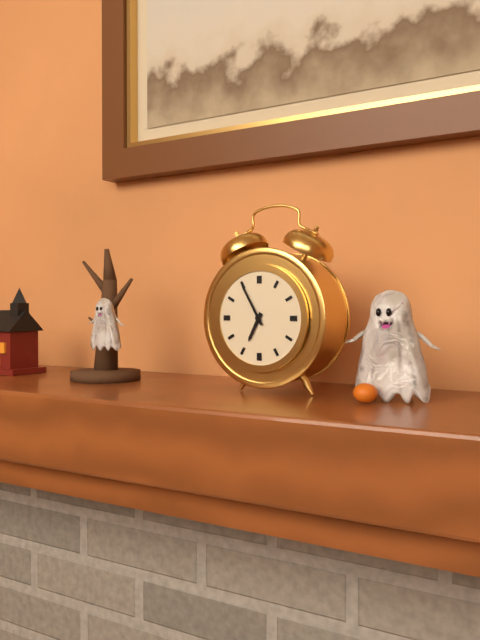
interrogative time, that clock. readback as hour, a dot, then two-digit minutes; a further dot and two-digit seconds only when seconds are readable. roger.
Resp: 6.55
